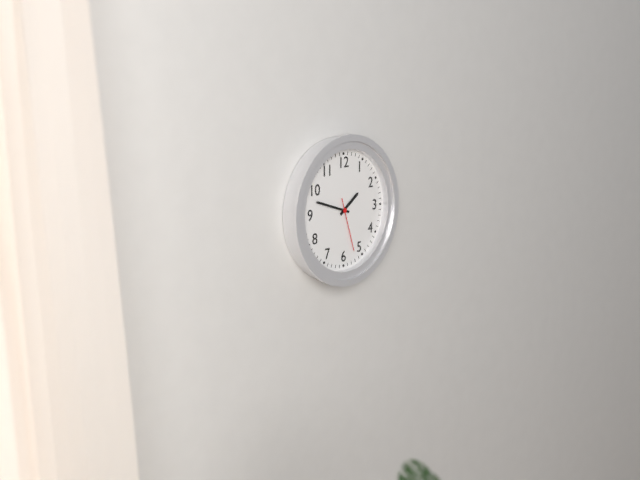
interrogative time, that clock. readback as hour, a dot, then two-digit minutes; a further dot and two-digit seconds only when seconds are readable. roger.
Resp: 1.48.27
